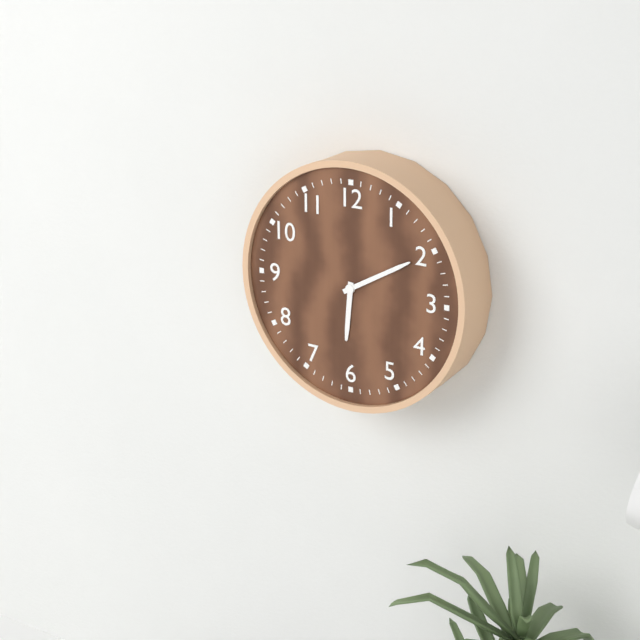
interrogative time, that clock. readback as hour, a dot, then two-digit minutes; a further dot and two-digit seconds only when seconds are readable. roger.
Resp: 6.10
